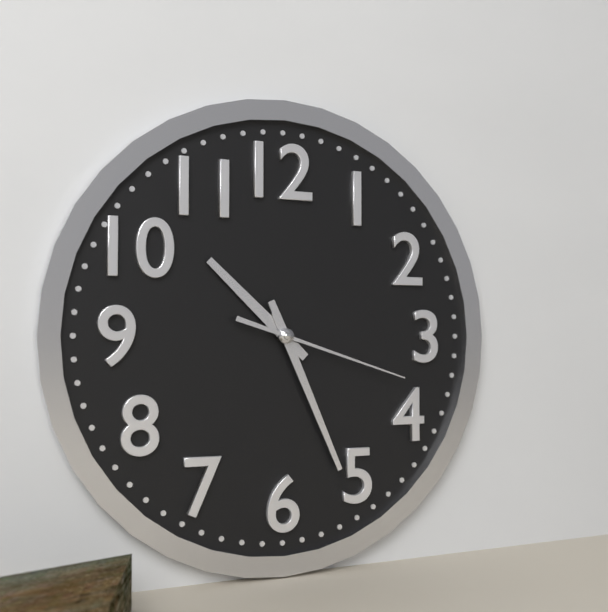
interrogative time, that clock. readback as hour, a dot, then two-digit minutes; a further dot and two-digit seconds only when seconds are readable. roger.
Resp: 10.26.18
